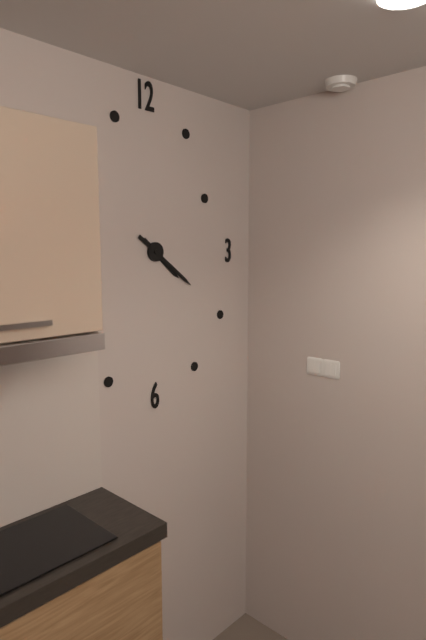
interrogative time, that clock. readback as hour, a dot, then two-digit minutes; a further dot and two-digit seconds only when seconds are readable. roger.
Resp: 4.21
